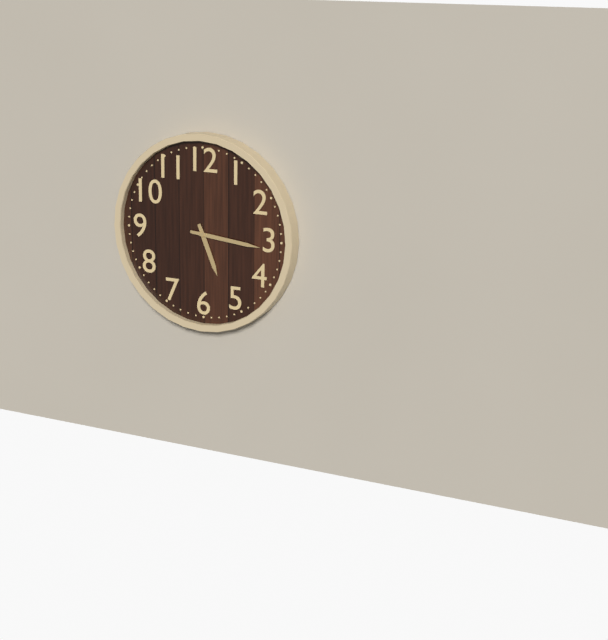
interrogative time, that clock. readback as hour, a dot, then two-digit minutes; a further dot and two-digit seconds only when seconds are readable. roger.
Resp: 5.16
